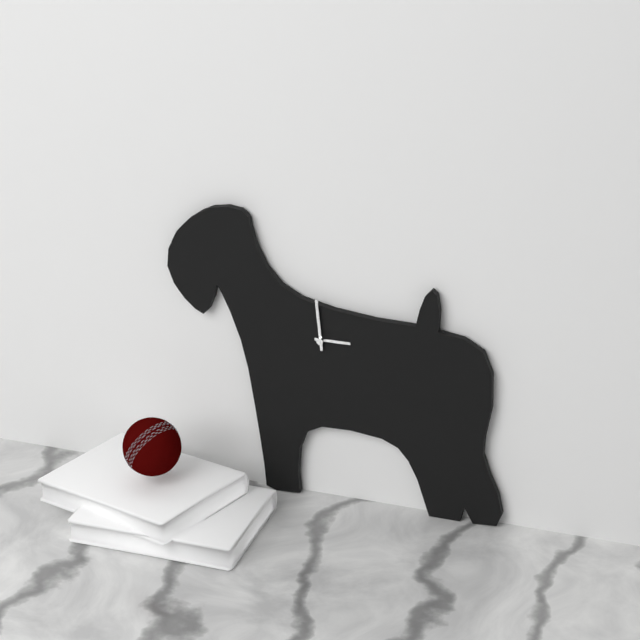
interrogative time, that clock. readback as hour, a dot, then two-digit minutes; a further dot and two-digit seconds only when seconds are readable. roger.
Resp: 2.59
